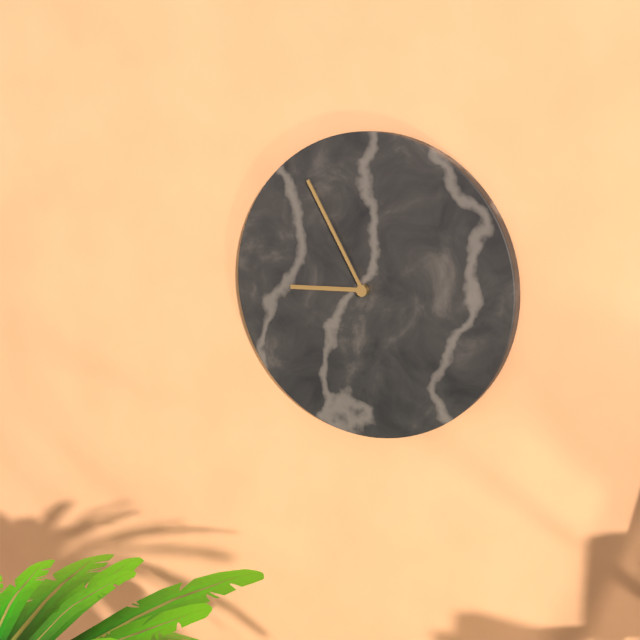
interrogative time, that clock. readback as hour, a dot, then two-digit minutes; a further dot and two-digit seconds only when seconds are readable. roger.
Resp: 8.55
